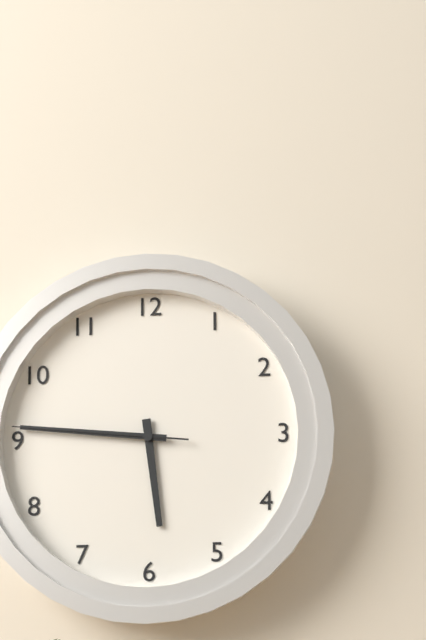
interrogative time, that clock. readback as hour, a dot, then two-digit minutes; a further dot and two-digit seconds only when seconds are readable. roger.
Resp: 5.46.46
